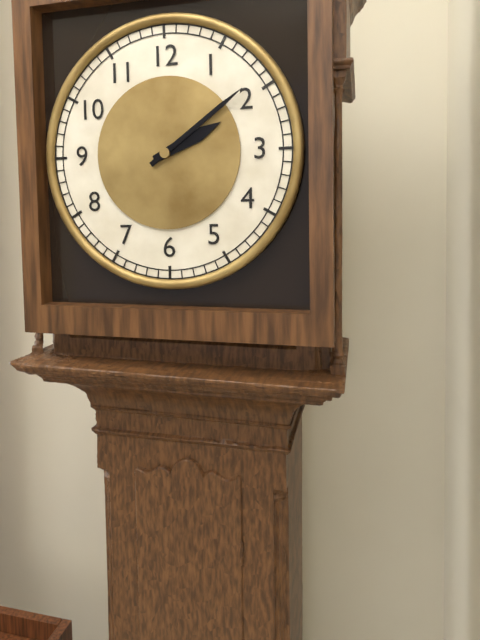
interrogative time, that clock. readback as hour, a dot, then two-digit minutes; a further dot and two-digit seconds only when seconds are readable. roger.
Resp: 2.09
